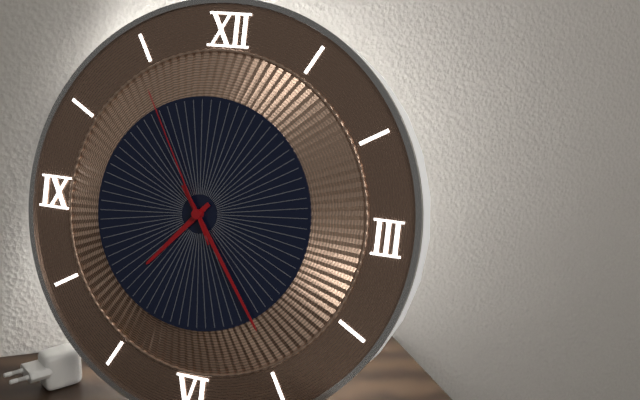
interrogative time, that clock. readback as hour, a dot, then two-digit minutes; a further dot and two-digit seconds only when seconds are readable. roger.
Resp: 7.24.55
